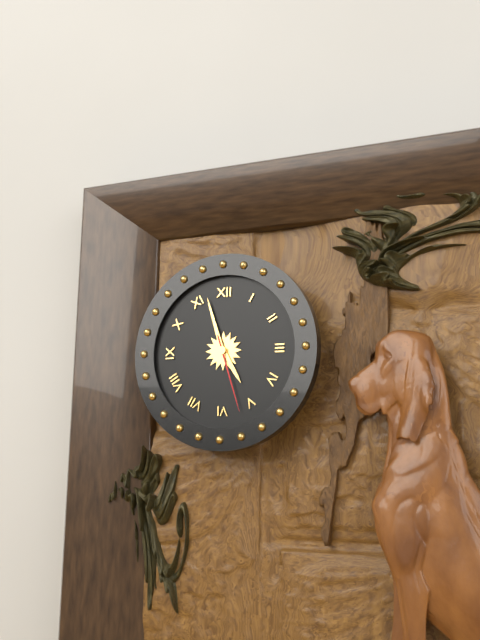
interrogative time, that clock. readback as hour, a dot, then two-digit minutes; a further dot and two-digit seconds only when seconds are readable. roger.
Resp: 4.57.27
